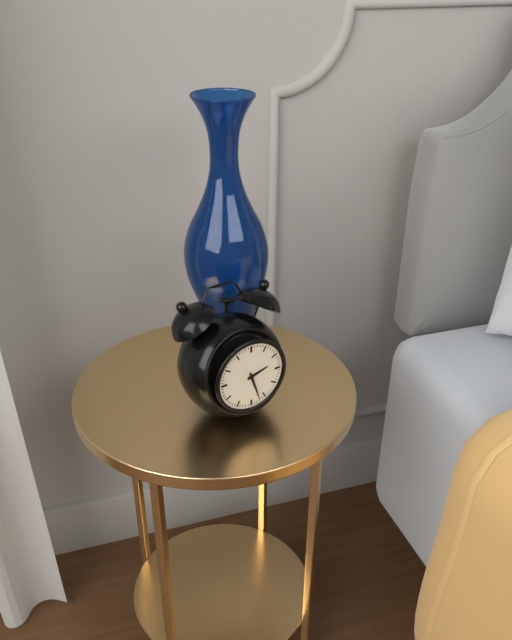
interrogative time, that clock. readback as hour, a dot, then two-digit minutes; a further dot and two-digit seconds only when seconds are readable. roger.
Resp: 2.27
